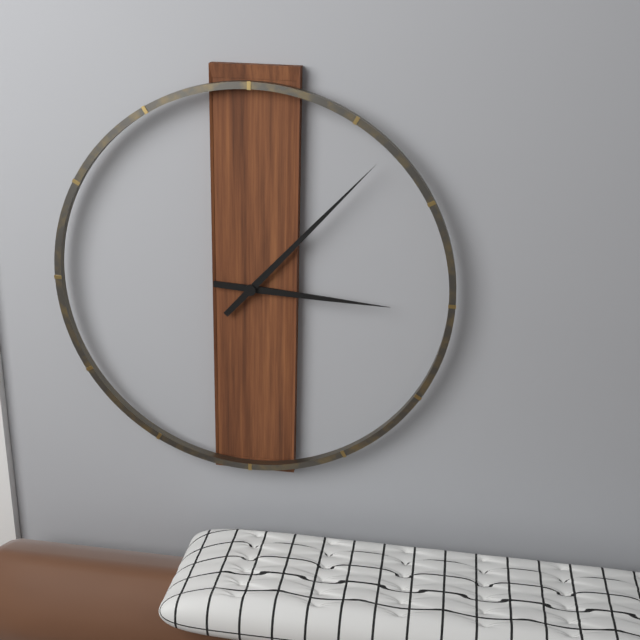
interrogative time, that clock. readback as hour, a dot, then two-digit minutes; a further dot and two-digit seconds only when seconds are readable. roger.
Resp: 3.07
